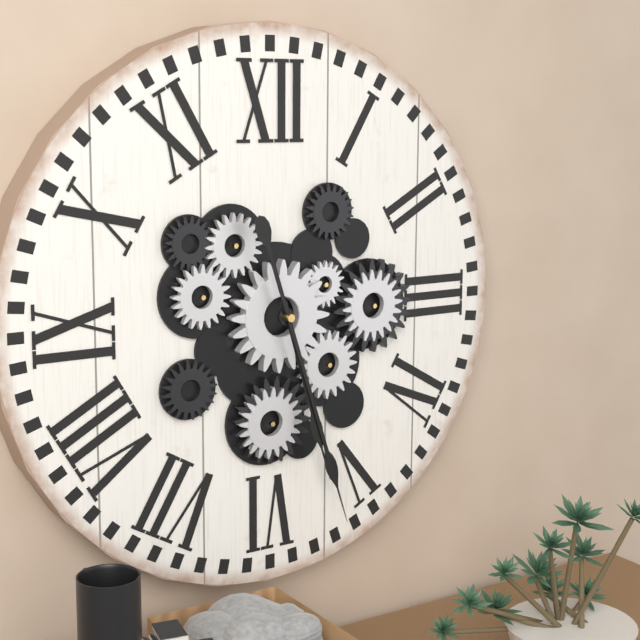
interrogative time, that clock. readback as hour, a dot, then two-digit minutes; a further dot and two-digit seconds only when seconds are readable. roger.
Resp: 5.27
